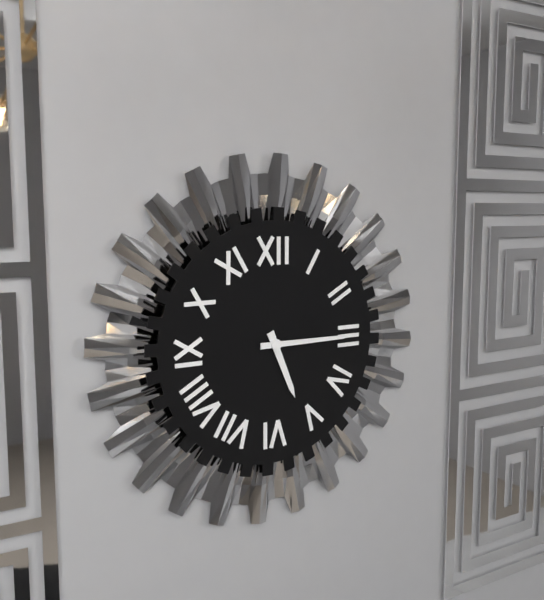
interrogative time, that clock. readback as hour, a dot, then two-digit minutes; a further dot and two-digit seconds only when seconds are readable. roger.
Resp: 5.15
